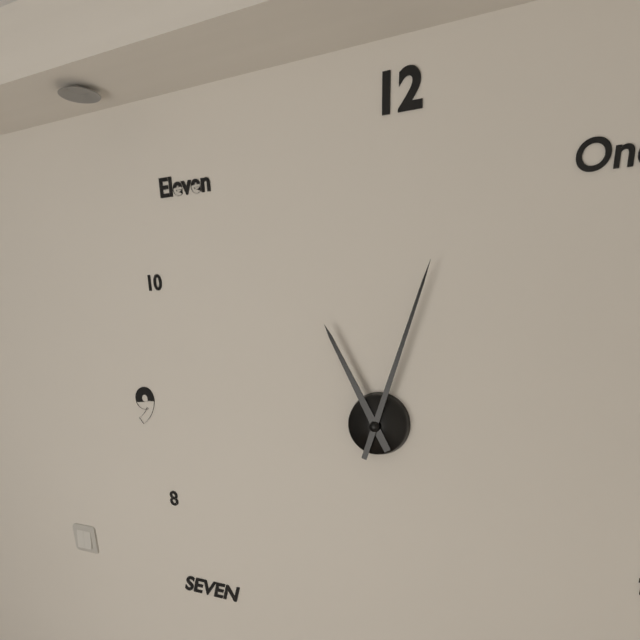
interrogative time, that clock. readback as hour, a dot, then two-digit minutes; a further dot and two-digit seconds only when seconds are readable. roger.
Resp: 11.03
